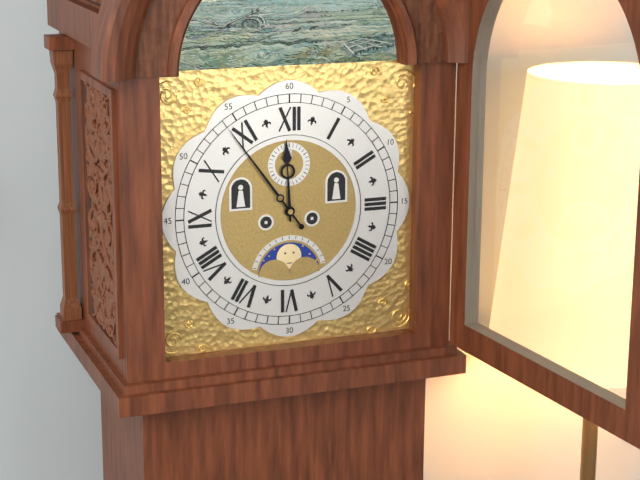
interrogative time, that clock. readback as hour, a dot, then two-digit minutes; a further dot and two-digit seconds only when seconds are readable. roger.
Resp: 11.54
